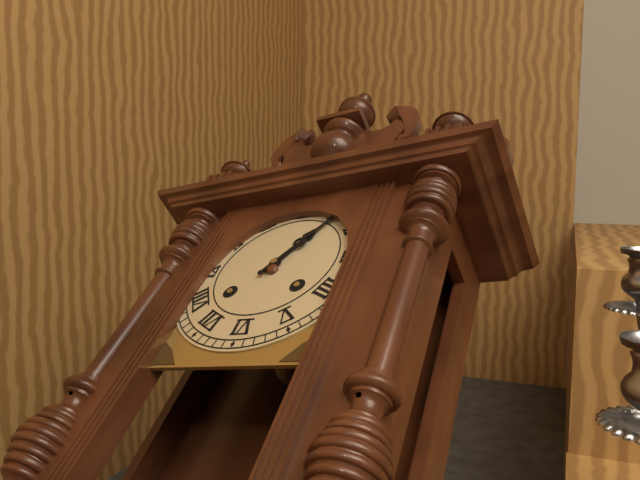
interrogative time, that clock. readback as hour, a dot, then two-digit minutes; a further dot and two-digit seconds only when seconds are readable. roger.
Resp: 1.06
